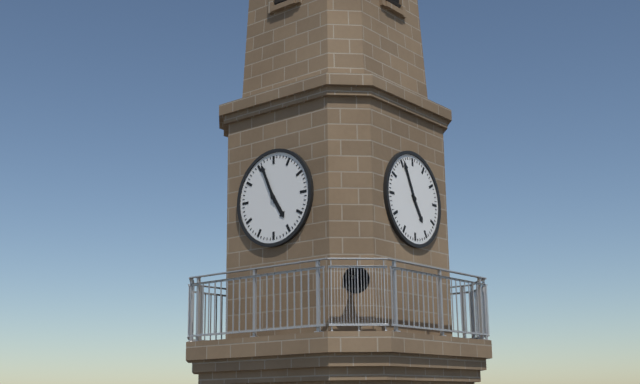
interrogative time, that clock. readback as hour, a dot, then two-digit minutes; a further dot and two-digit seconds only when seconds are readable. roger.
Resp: 4.56
